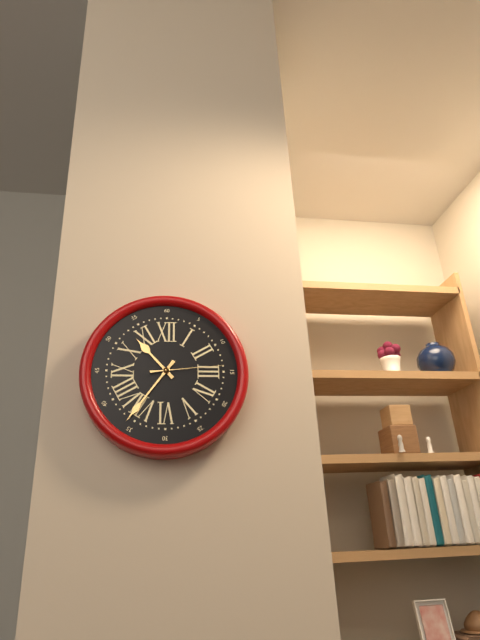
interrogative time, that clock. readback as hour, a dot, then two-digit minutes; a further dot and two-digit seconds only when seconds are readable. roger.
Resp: 10.36.14
